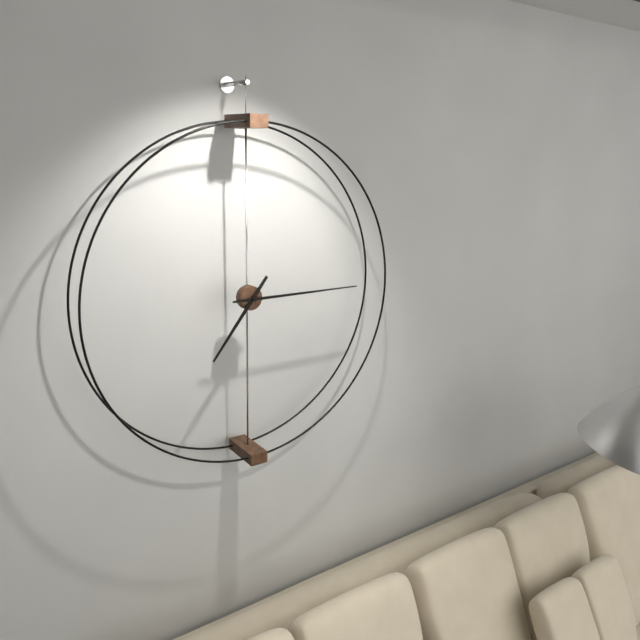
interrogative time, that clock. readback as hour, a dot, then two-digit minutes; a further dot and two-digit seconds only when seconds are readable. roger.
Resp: 7.15
